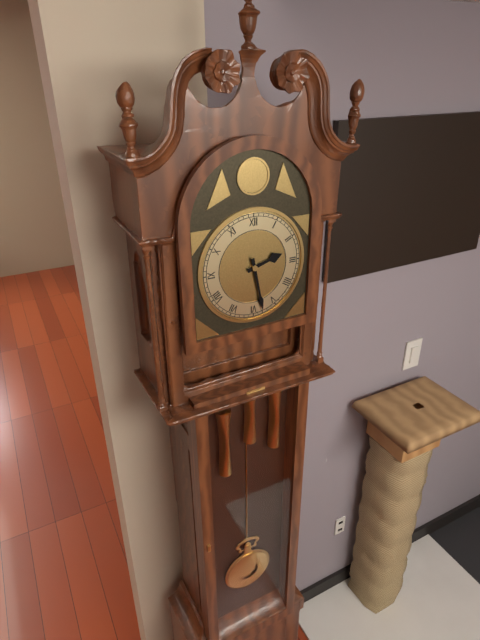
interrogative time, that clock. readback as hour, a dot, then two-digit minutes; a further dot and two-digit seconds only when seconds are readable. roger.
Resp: 2.28
